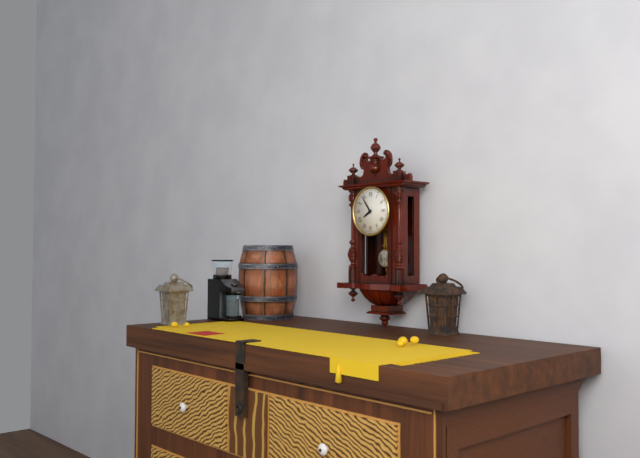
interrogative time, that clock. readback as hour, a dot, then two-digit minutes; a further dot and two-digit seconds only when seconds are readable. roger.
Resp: 7.54
